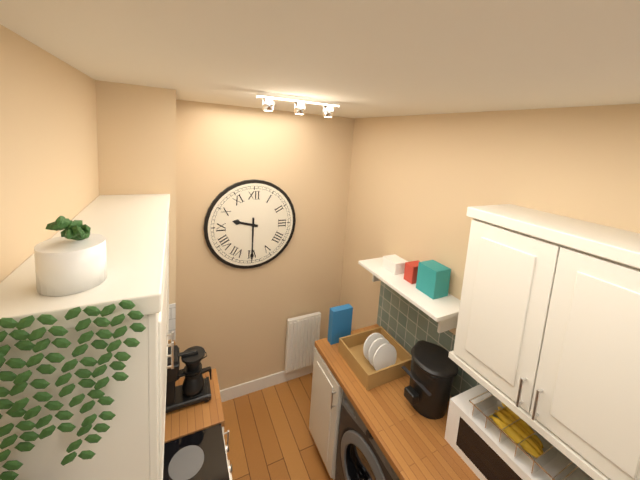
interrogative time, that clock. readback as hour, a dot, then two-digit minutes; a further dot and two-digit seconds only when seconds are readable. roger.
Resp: 9.30
